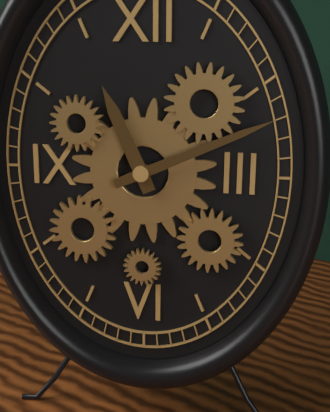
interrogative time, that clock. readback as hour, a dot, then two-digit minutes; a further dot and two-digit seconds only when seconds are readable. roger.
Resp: 11.11
